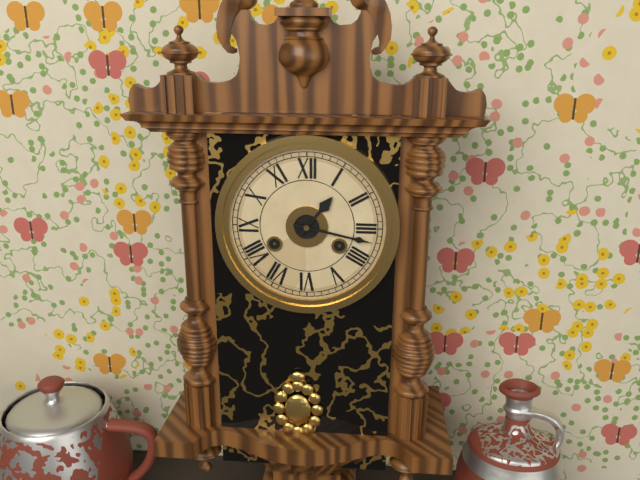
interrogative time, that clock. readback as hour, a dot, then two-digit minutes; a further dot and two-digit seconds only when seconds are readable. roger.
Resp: 1.17
